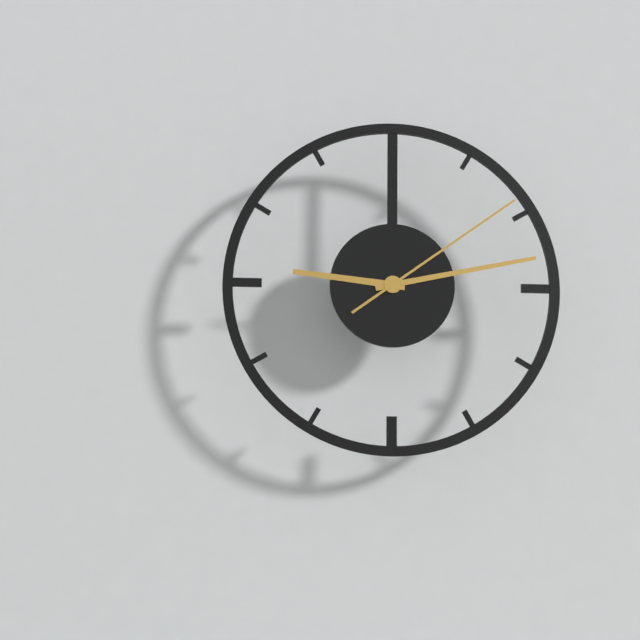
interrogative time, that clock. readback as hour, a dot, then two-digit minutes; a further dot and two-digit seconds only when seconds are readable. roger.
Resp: 9.13.09
